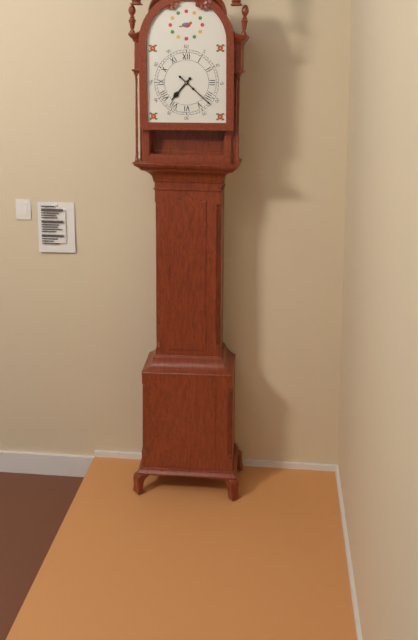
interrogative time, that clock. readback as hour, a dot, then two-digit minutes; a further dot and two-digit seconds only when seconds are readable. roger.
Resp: 7.22
